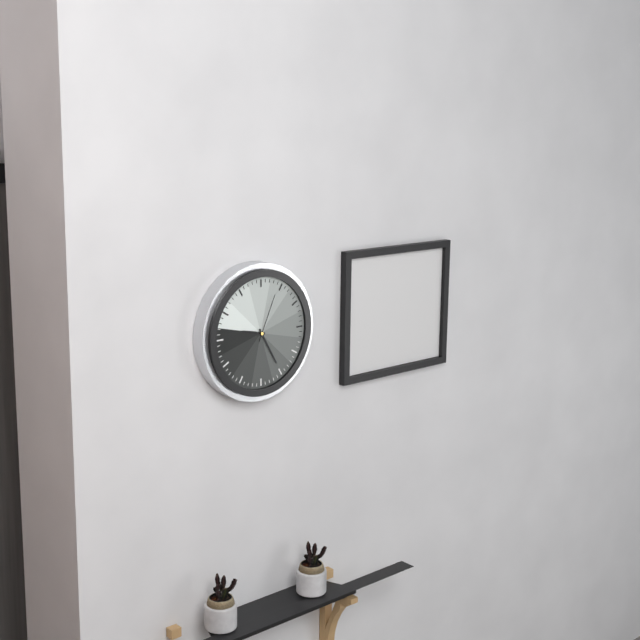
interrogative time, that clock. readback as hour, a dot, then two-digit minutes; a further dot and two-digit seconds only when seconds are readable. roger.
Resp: 9.25.04
